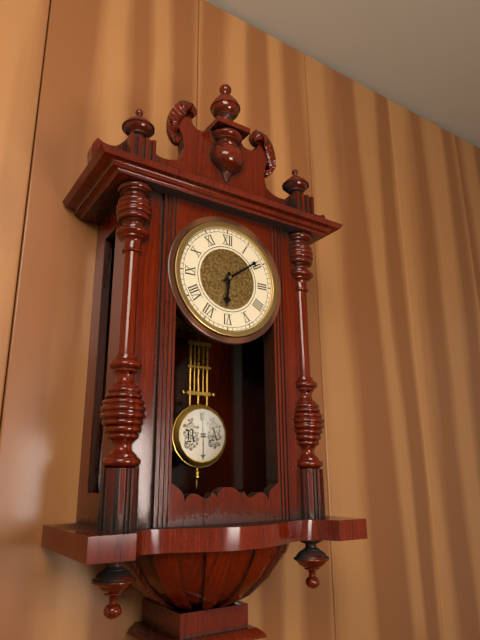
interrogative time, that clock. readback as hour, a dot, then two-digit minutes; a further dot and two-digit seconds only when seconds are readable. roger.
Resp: 6.09
